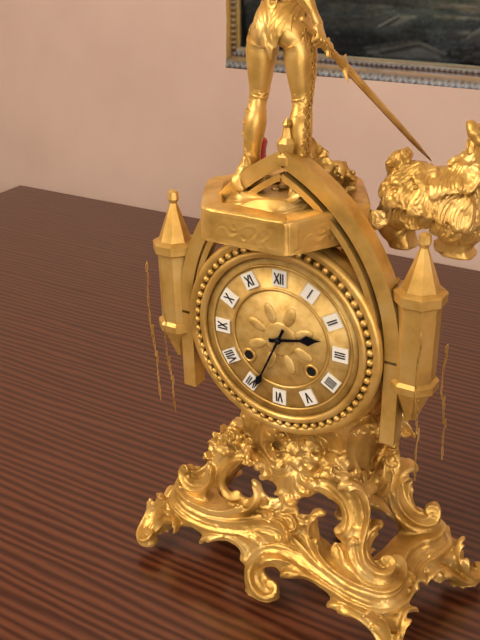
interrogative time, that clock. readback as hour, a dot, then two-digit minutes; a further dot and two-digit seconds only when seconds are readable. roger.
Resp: 2.34
